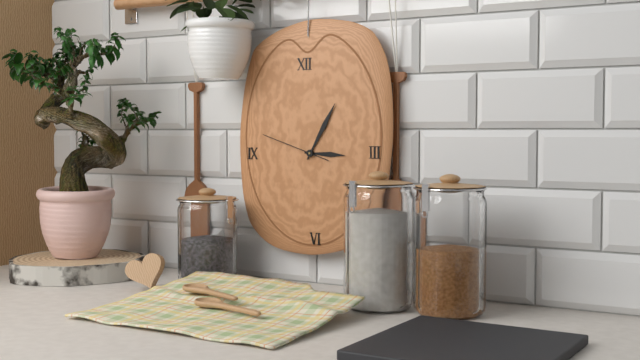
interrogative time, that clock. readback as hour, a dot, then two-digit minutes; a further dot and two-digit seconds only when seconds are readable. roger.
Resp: 3.05.48
